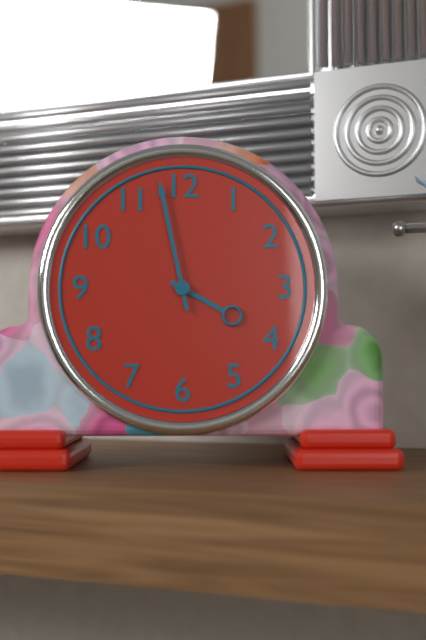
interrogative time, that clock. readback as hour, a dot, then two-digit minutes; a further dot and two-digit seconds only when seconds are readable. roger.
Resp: 3.58
